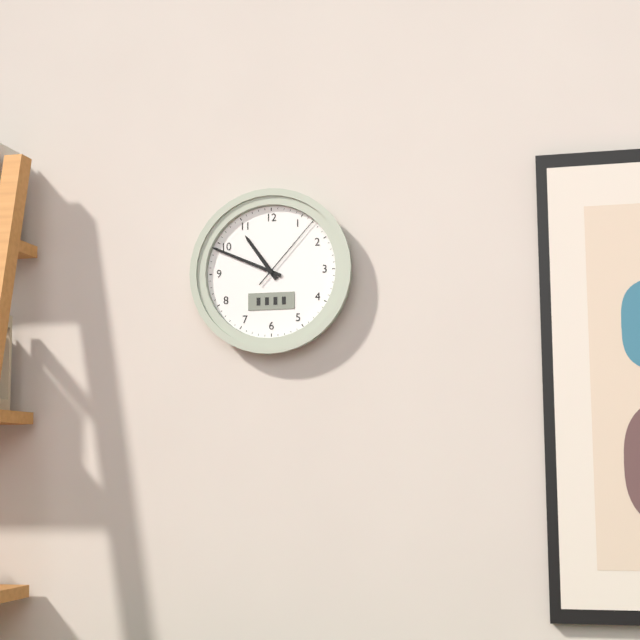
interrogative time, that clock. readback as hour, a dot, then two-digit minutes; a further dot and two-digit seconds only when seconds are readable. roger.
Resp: 10.49.07
